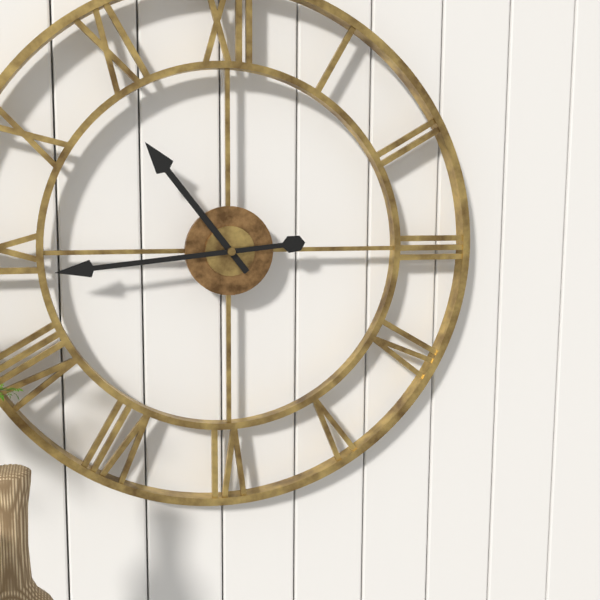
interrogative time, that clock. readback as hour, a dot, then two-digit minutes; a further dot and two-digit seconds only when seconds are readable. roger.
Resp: 10.44
